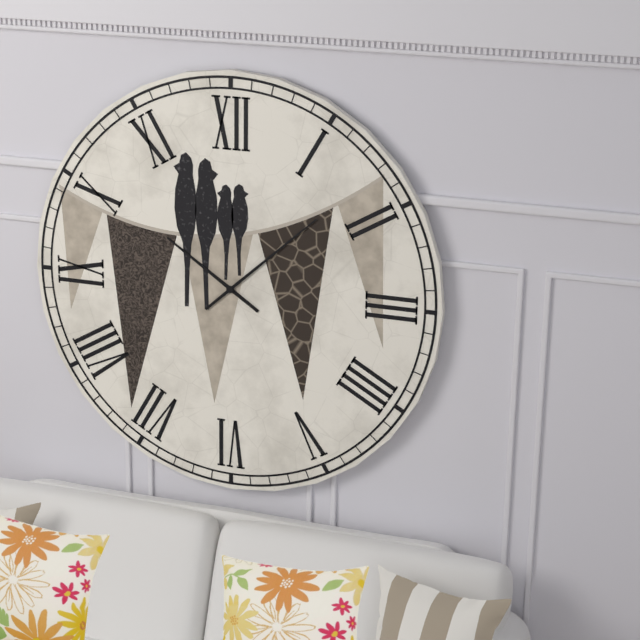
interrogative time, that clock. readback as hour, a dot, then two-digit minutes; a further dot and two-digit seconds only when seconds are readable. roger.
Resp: 10.08
